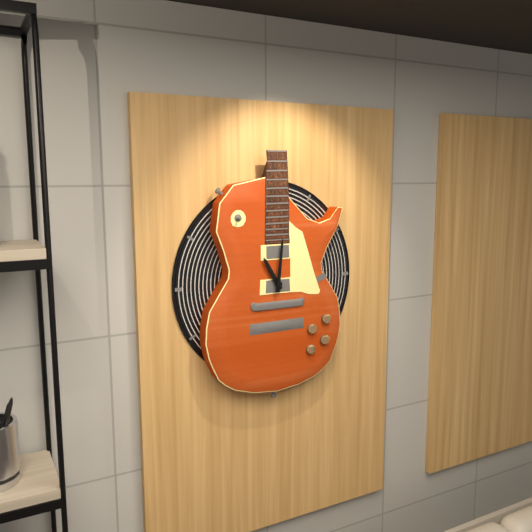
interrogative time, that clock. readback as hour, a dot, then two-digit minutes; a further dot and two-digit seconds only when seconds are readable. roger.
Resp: 11.01
